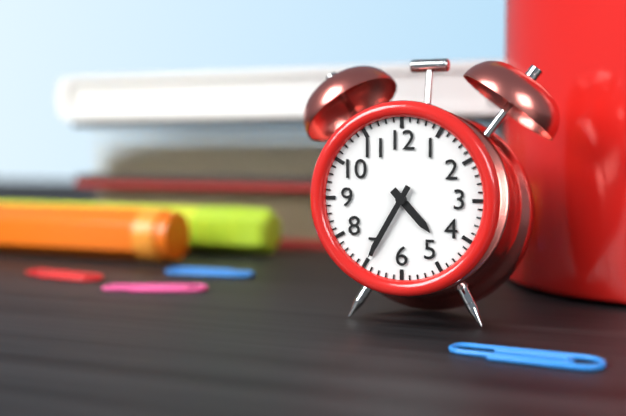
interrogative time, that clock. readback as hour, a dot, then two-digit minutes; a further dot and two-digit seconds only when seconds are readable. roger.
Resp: 4.35
